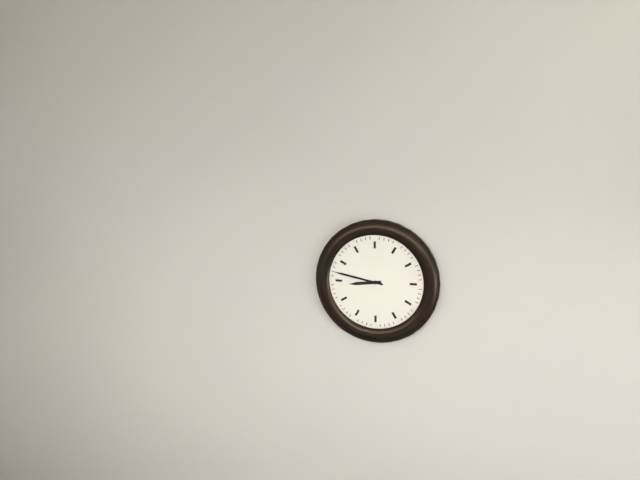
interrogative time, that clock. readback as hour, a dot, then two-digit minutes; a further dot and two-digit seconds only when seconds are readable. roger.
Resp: 8.47
